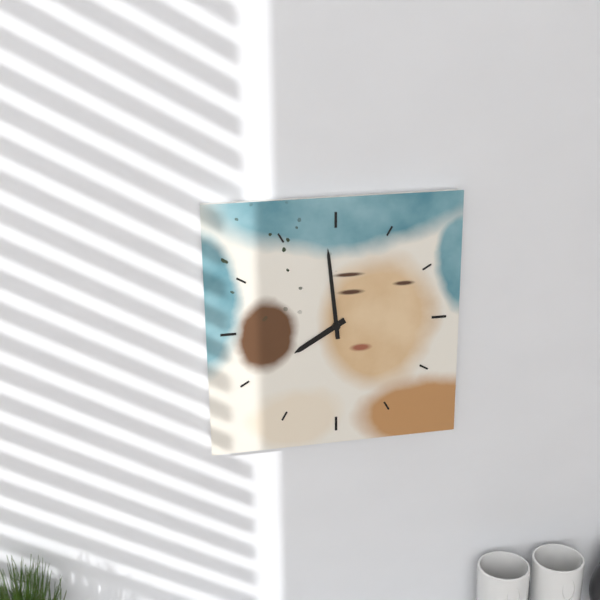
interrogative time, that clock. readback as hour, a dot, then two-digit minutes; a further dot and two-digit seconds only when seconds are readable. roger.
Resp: 7.59
